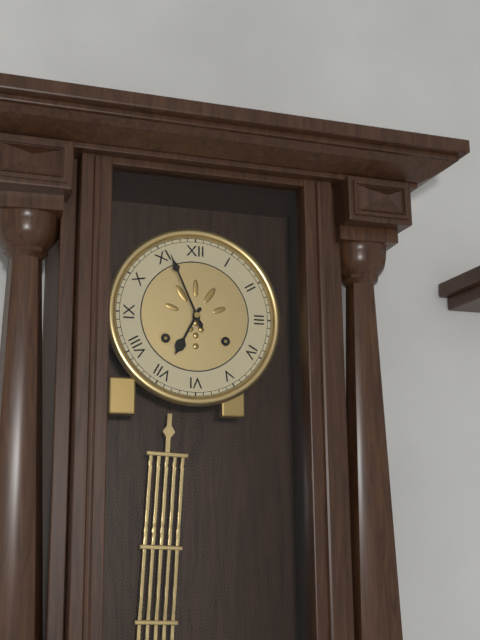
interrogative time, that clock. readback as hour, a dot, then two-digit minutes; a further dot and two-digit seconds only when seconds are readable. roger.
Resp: 6.56
